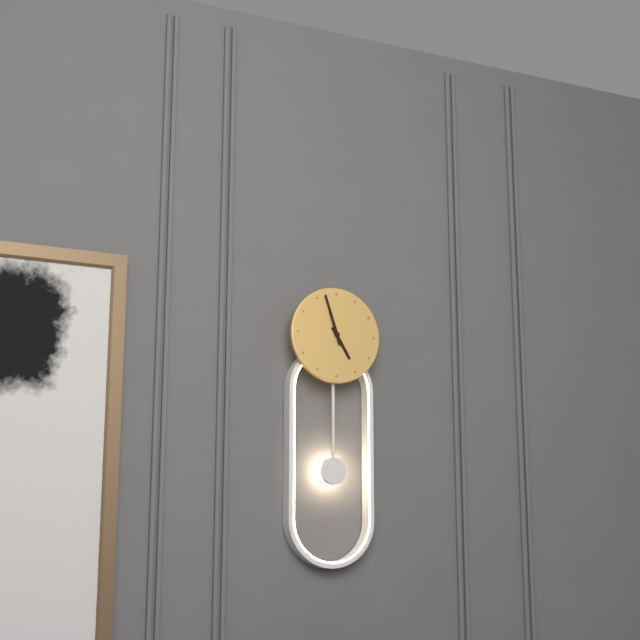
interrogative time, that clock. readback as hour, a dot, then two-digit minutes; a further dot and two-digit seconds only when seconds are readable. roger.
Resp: 4.57
